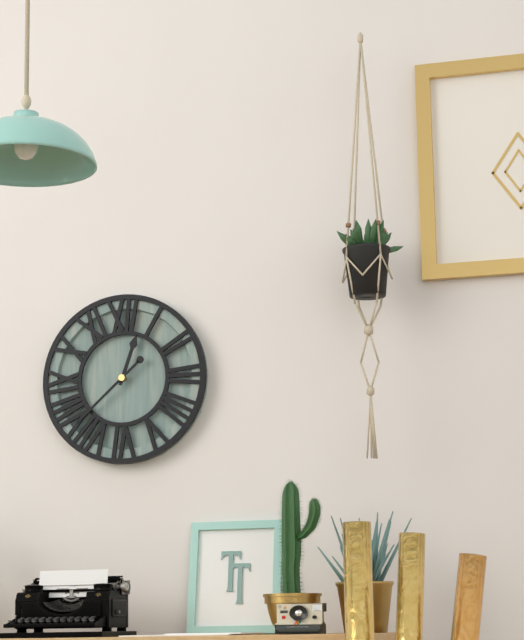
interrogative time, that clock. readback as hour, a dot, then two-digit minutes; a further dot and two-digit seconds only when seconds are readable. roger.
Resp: 12.38
